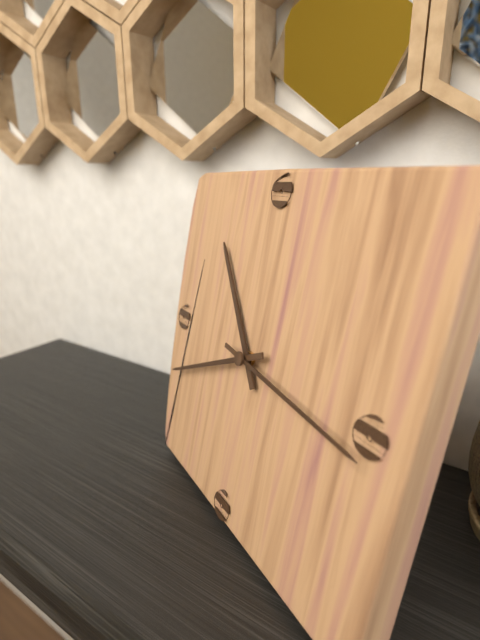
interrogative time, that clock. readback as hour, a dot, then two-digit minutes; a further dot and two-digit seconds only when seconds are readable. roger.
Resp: 10.41.16
